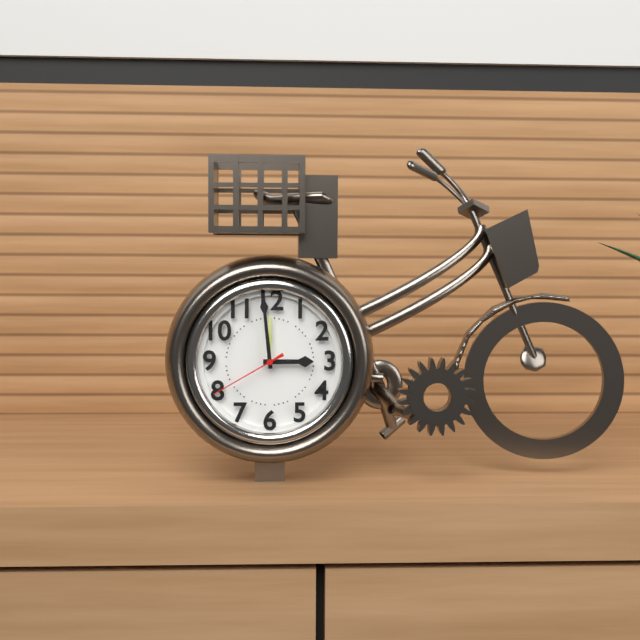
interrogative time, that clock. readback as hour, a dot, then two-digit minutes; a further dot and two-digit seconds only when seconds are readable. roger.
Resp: 2.59.40
